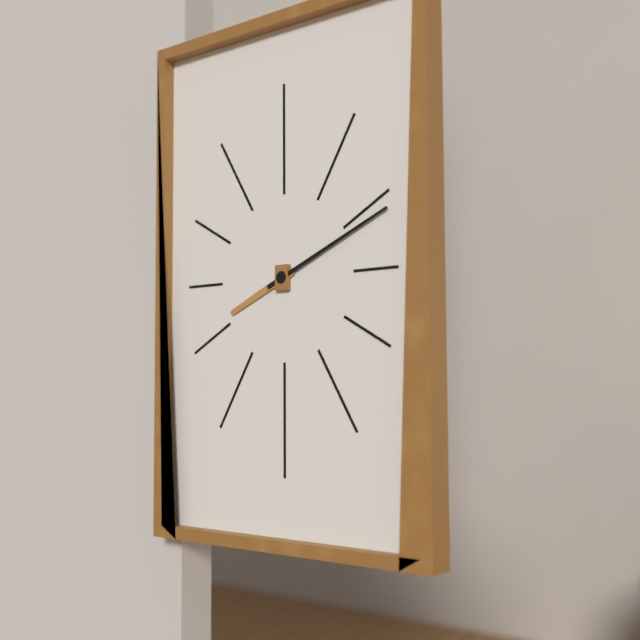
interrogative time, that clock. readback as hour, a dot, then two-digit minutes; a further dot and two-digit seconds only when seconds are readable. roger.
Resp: 8.11
